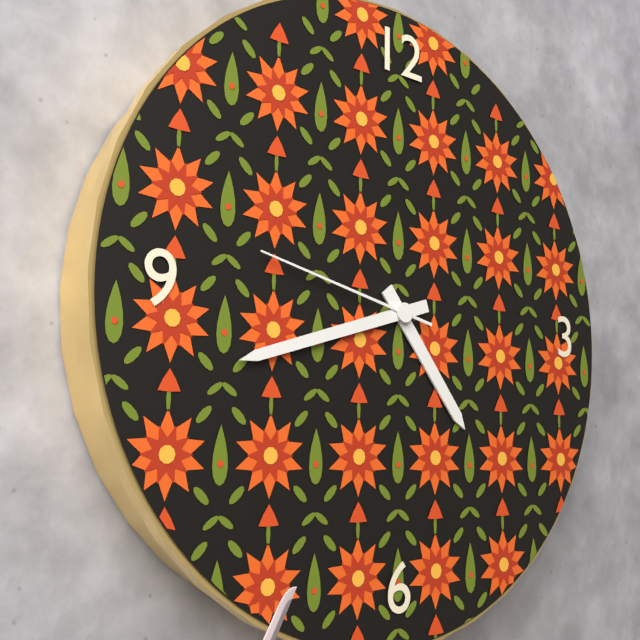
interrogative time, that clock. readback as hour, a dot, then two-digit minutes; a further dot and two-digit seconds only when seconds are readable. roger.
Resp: 4.42.47
